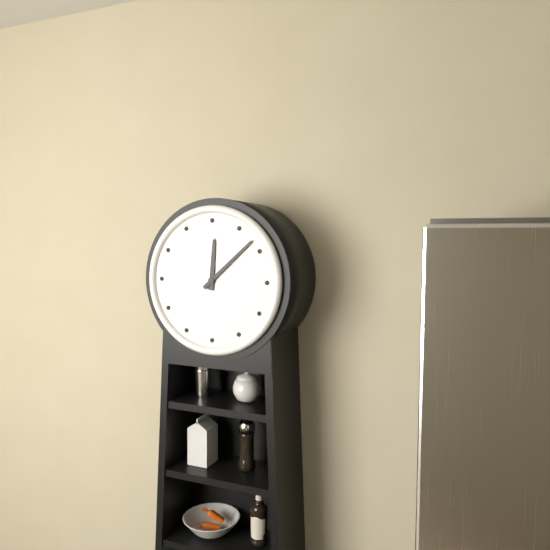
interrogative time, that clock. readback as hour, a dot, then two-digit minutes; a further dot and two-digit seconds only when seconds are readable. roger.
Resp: 12.08
